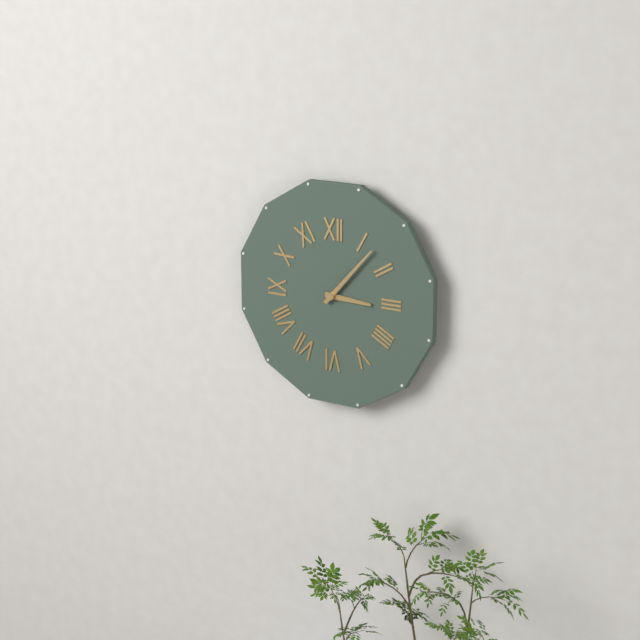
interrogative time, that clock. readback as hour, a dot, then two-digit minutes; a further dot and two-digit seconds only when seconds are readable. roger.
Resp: 3.07
